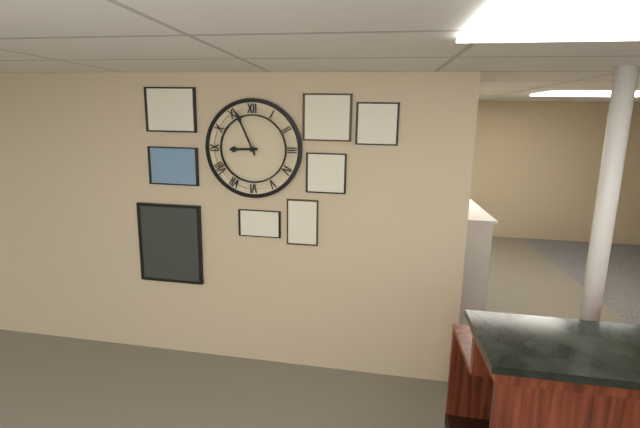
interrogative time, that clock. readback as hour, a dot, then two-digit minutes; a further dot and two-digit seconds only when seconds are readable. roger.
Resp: 8.56
